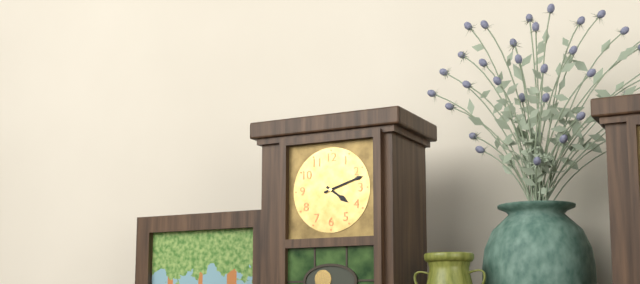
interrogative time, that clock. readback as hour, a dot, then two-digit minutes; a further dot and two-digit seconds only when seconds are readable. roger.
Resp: 4.12
